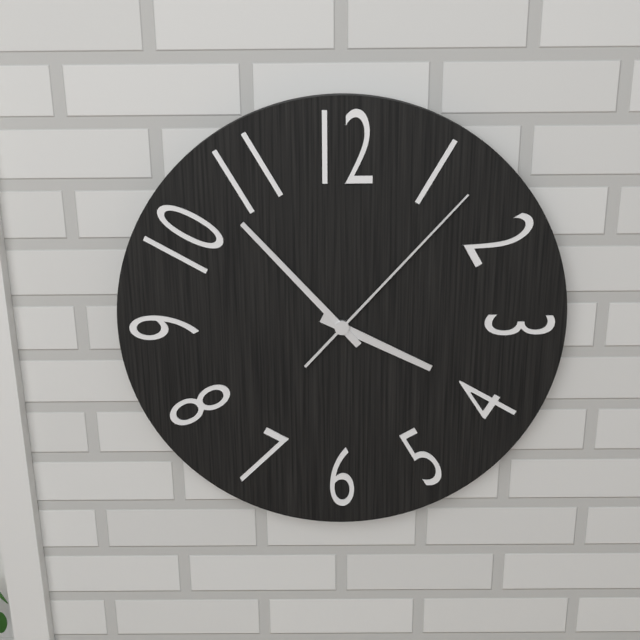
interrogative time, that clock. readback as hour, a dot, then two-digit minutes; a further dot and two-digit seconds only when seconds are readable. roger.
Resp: 3.53.07
